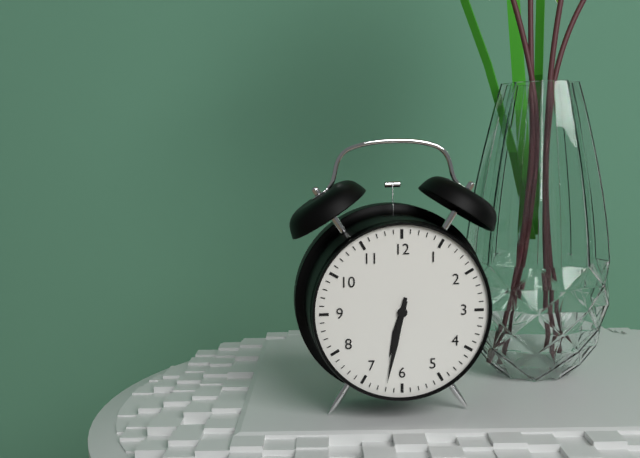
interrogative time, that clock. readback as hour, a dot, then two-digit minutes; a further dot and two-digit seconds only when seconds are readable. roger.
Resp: 6.32
